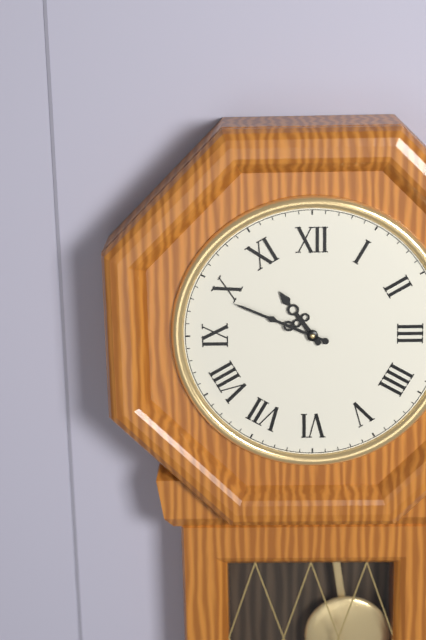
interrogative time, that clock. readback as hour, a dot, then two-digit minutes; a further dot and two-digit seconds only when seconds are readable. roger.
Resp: 10.49
